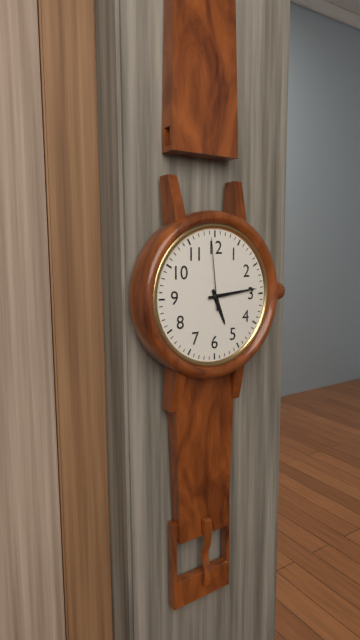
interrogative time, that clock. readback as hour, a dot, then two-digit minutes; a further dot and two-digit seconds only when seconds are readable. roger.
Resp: 5.14.59
